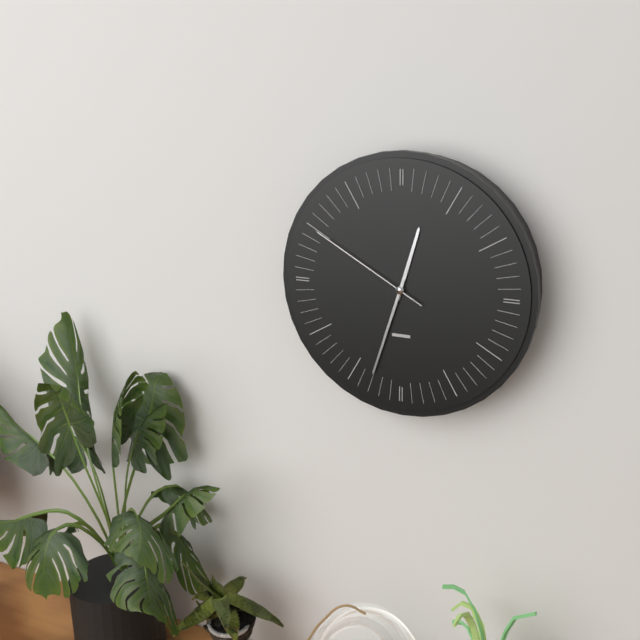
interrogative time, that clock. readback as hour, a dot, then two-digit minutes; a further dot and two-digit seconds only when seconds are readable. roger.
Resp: 12.33.50
